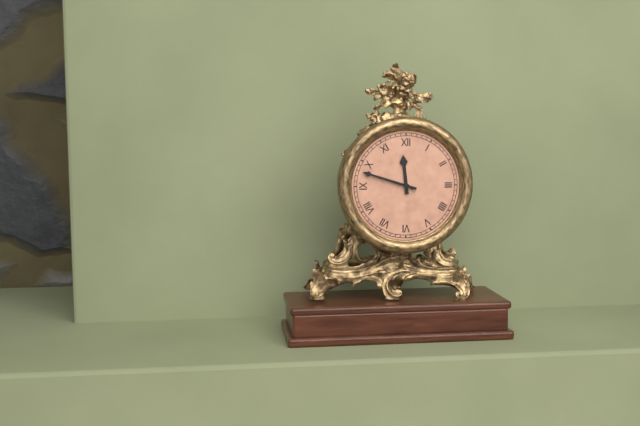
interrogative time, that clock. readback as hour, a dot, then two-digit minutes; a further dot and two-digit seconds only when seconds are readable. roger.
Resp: 11.48
